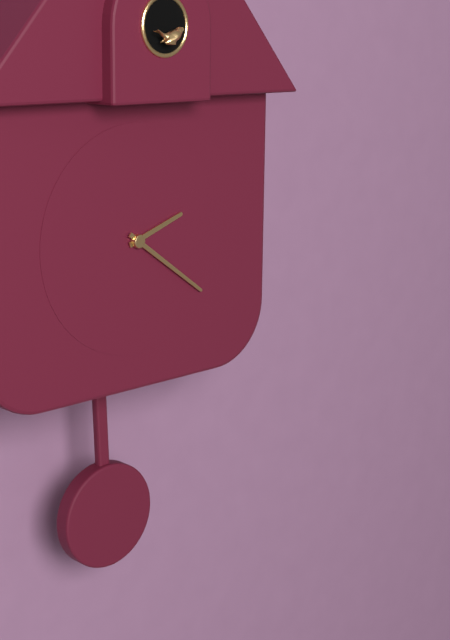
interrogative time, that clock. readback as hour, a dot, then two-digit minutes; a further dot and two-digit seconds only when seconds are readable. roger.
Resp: 2.21
